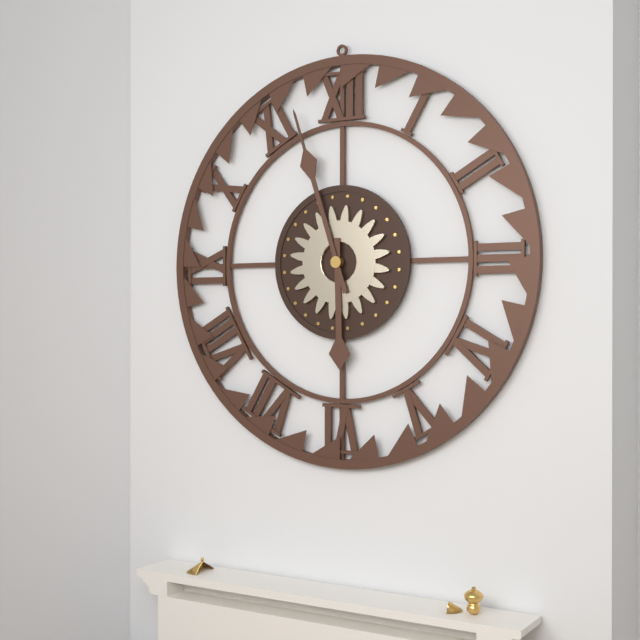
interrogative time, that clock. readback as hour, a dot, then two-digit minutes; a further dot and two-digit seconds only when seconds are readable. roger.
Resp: 5.57
